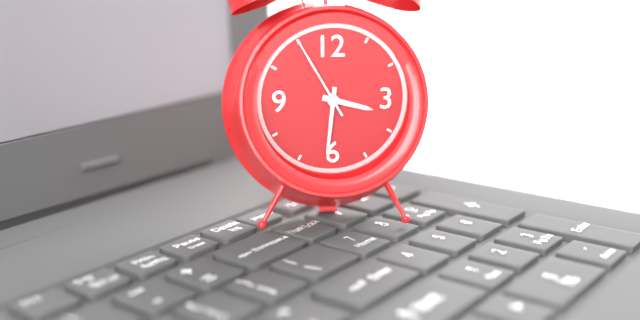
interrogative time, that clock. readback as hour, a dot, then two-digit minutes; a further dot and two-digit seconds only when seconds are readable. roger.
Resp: 3.31.55
